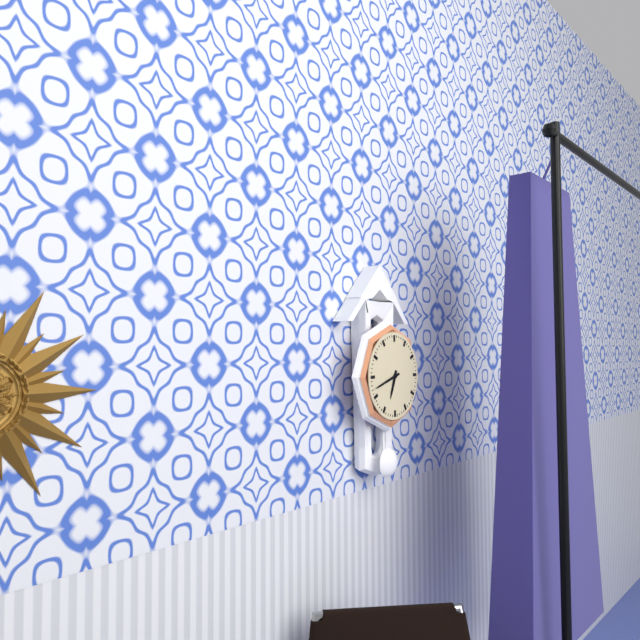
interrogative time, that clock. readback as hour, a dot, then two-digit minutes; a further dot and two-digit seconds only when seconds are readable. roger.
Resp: 6.42
